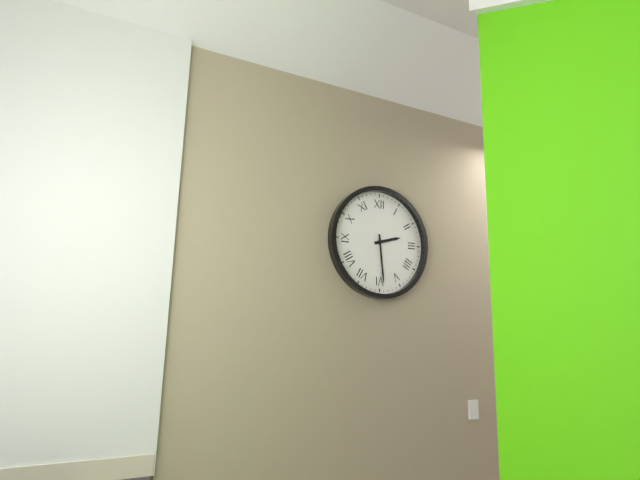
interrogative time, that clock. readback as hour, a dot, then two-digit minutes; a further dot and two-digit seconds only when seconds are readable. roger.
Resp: 2.29
